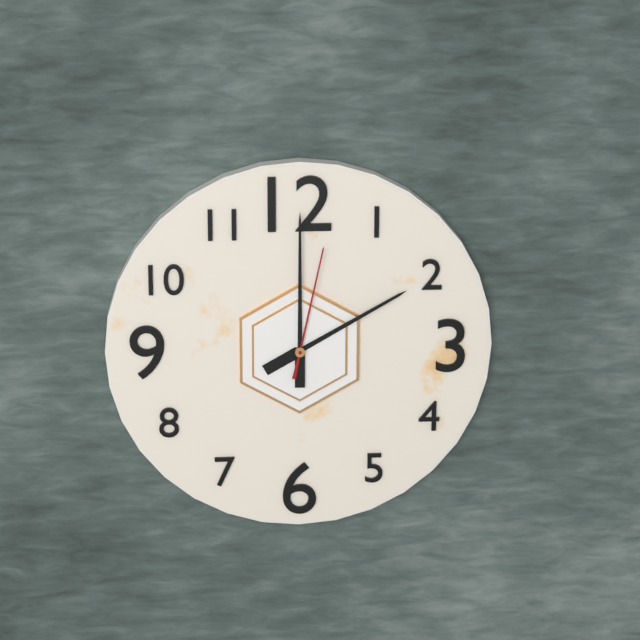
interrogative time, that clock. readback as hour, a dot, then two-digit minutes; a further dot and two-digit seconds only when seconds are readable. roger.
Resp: 2.00.02
